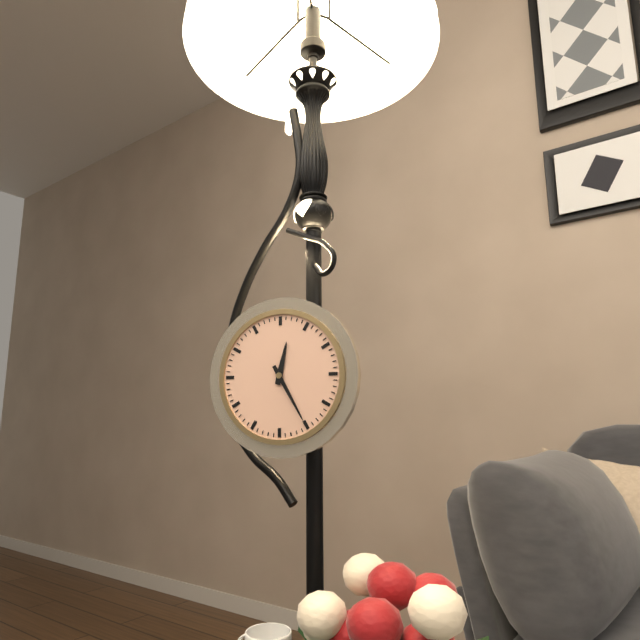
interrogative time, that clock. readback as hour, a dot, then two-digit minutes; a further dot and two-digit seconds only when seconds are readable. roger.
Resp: 12.25
